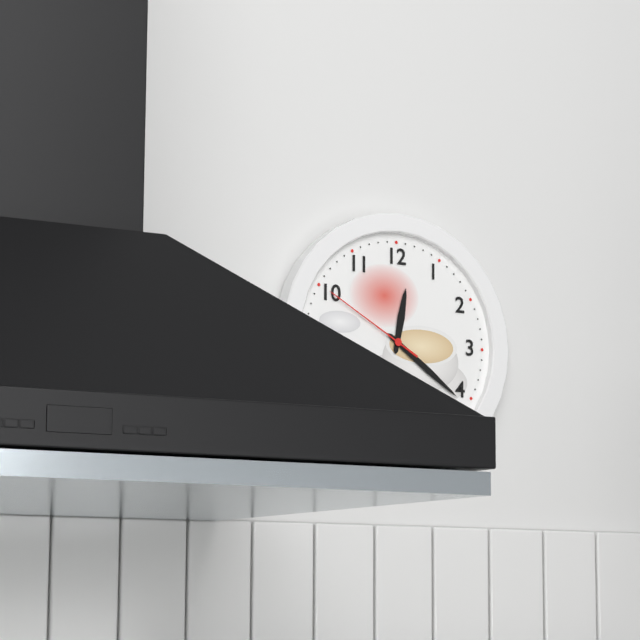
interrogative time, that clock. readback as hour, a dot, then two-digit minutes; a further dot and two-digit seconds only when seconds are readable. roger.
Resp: 12.21.50
